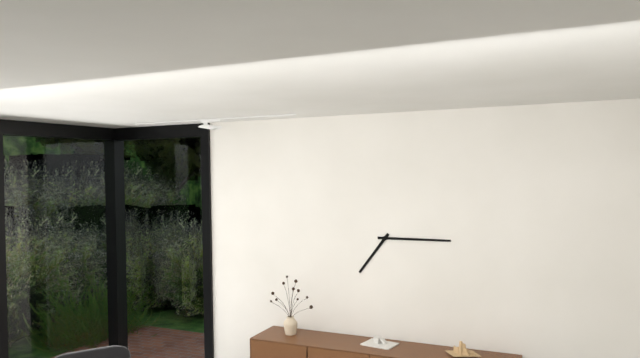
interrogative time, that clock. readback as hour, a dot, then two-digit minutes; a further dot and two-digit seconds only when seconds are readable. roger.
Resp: 7.15
